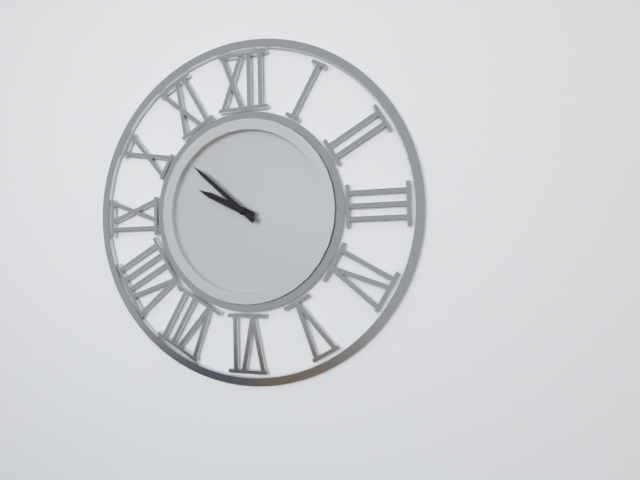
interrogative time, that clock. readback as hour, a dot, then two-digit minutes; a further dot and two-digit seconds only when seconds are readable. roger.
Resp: 9.52
